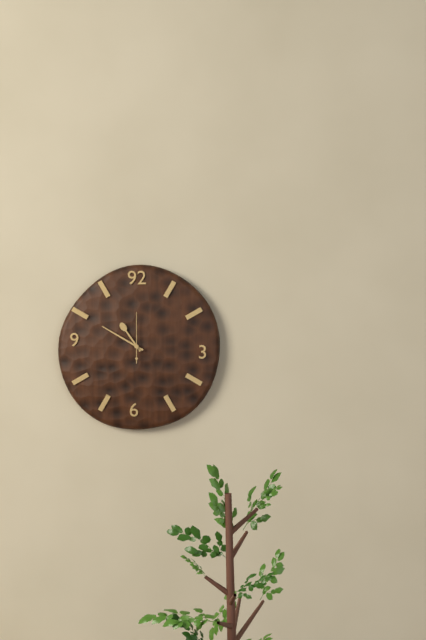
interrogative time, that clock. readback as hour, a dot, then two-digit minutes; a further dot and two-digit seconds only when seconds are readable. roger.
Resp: 10.50
